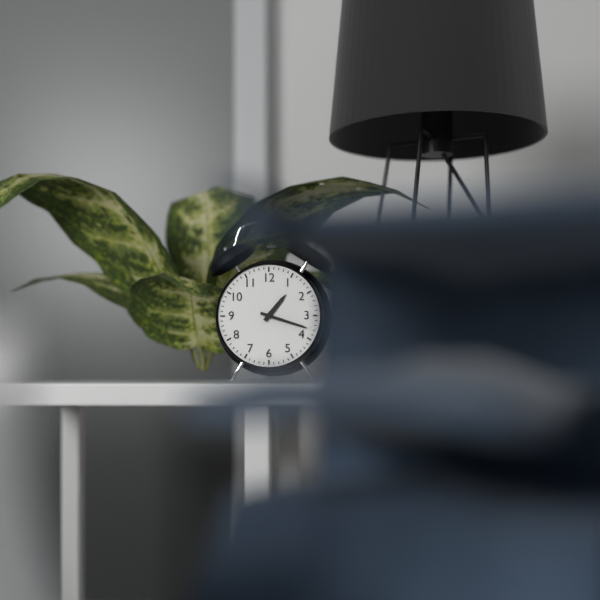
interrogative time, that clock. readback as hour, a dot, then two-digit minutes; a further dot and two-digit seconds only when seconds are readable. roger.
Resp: 1.18
